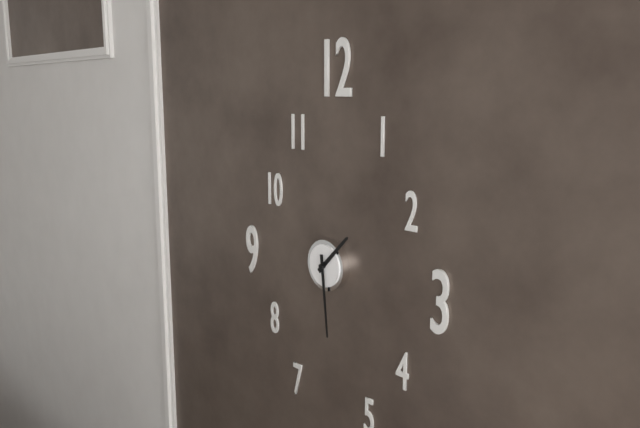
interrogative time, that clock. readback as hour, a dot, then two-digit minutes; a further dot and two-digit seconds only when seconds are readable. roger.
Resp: 1.29
